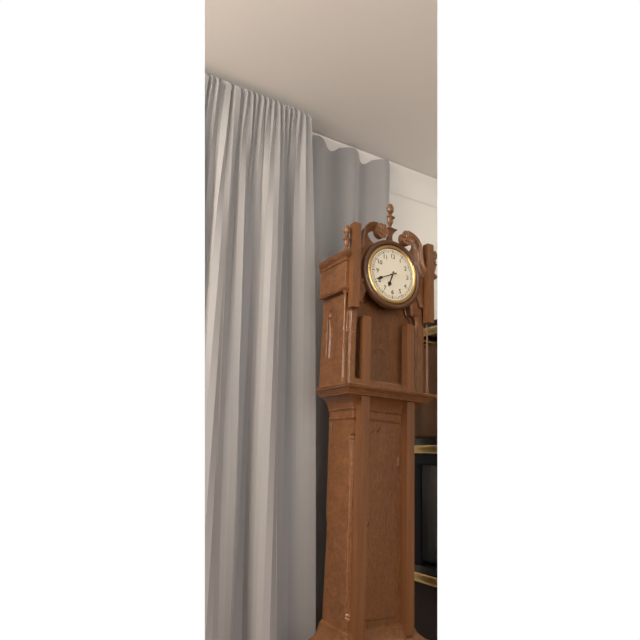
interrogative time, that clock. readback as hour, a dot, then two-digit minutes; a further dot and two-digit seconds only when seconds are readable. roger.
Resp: 6.41
